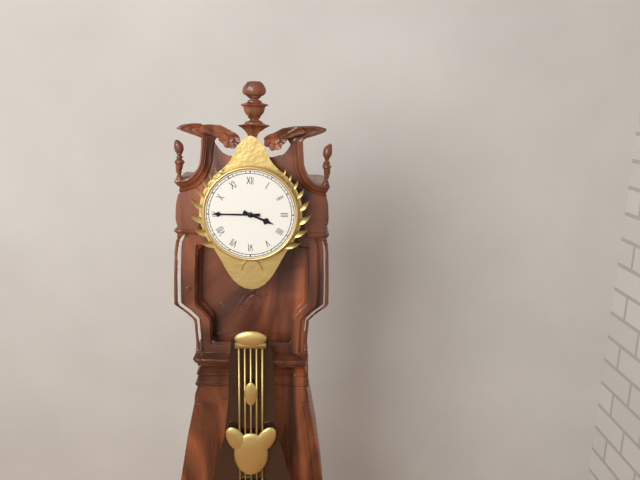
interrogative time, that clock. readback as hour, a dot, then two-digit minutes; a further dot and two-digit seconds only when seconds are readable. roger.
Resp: 3.45
